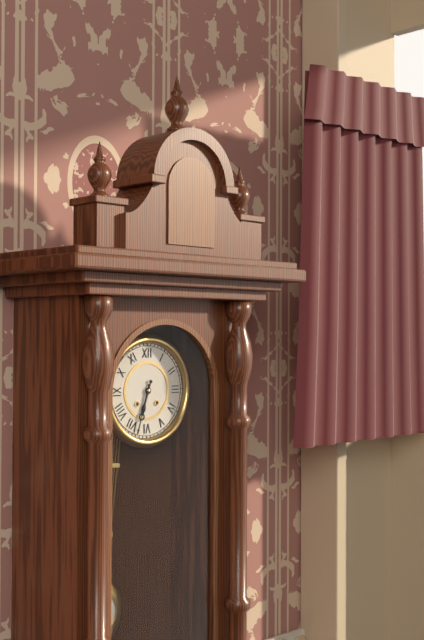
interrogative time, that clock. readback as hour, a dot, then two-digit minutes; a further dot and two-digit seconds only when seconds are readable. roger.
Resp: 6.33
